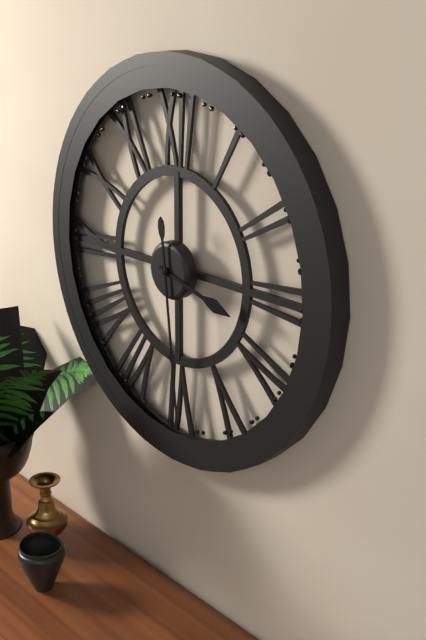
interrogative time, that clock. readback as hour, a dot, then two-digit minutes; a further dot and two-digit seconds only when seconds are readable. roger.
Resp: 3.29
